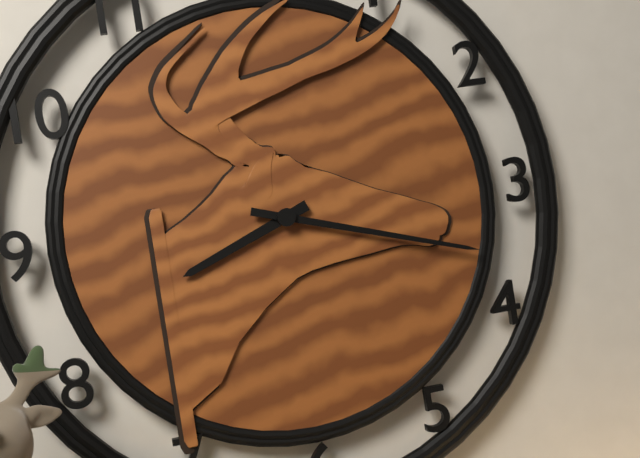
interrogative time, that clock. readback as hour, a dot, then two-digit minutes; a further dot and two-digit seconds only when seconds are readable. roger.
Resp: 8.18
